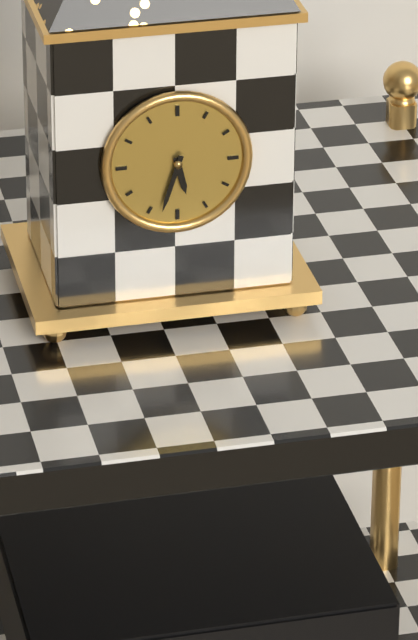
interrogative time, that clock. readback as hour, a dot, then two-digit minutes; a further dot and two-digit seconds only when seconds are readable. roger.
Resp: 5.33
